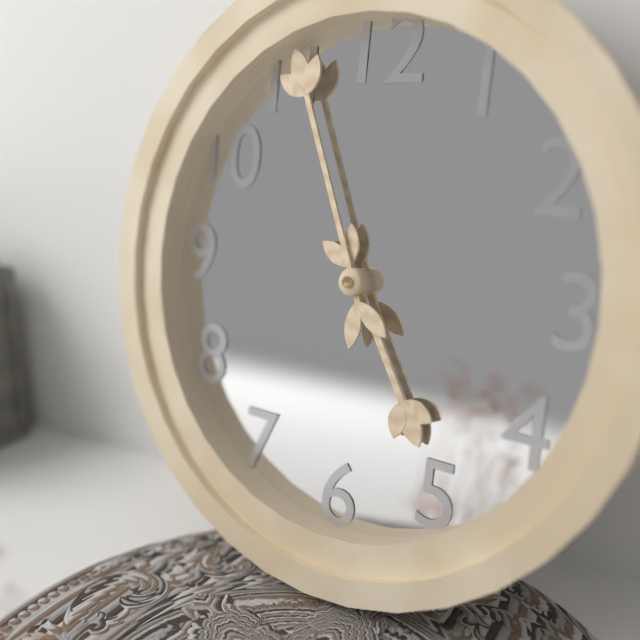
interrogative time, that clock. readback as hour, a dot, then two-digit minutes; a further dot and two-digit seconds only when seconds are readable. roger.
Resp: 4.56
